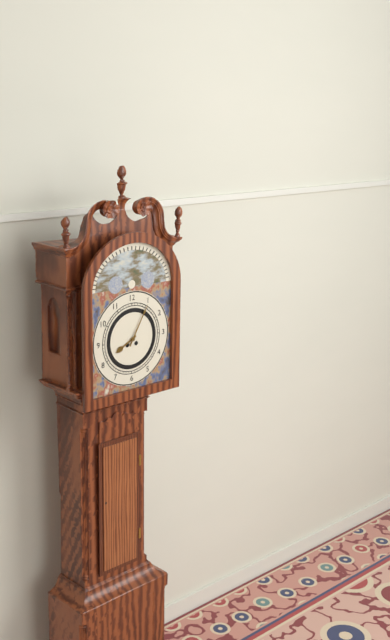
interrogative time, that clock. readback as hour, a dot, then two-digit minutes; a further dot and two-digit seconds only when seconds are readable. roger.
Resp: 8.05
